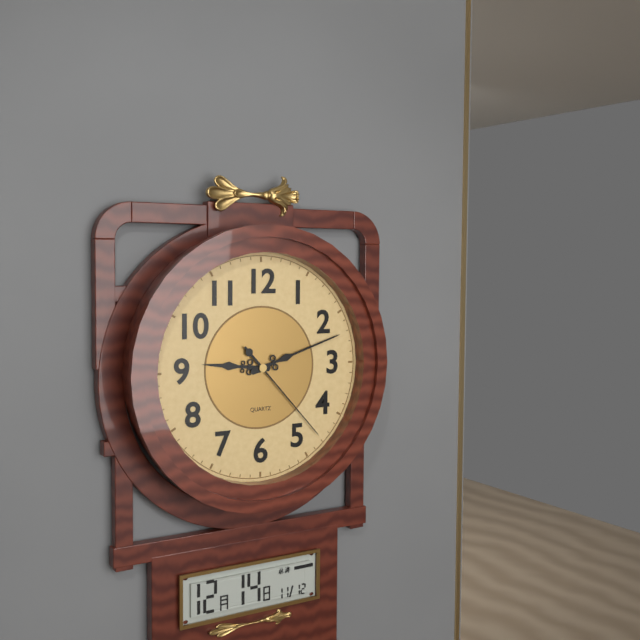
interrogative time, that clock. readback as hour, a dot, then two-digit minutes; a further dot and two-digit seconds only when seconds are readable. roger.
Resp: 9.12.23
